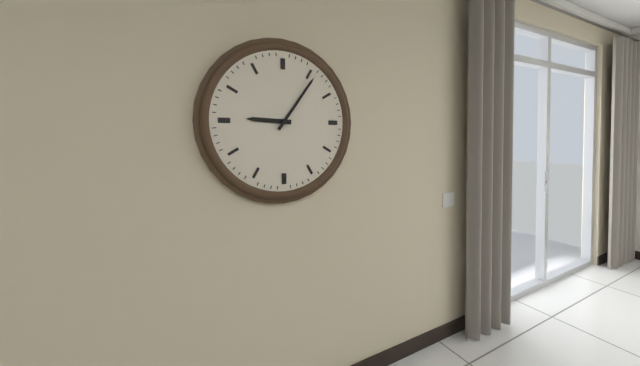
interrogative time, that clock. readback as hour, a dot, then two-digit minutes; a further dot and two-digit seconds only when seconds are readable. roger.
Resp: 9.06
